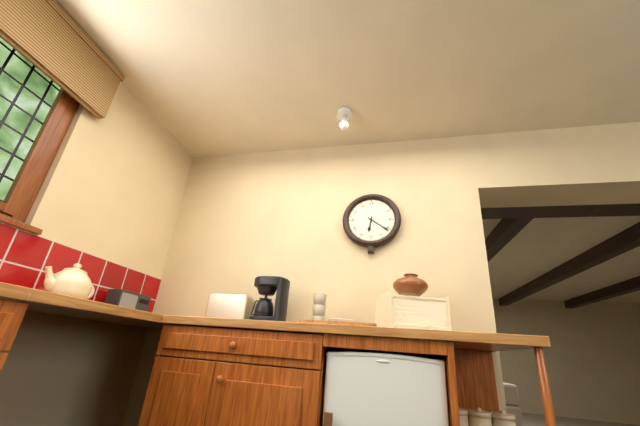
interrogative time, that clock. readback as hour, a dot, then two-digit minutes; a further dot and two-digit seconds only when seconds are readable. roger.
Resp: 6.21
